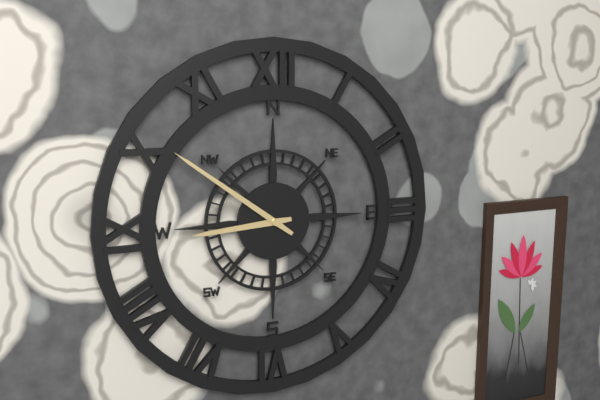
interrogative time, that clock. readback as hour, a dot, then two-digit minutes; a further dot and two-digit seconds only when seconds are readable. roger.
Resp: 8.51
